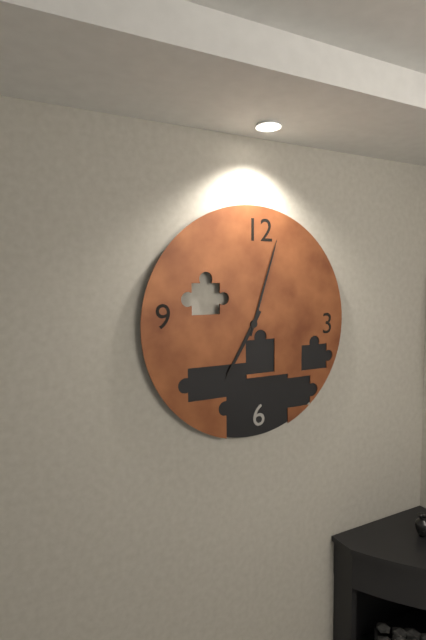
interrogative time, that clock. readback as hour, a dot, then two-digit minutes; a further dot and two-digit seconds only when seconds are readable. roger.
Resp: 7.03
